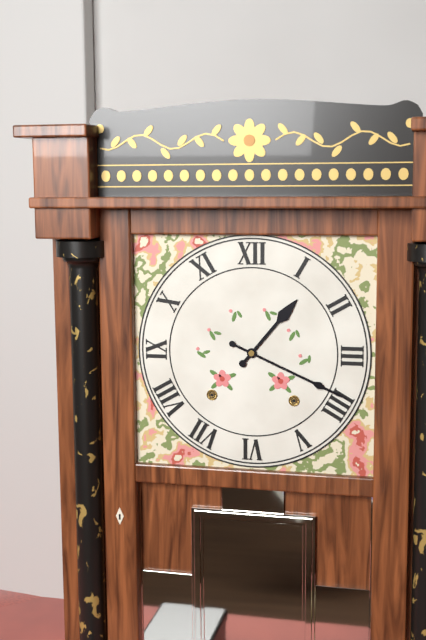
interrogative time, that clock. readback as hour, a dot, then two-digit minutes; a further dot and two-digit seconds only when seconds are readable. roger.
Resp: 1.19
